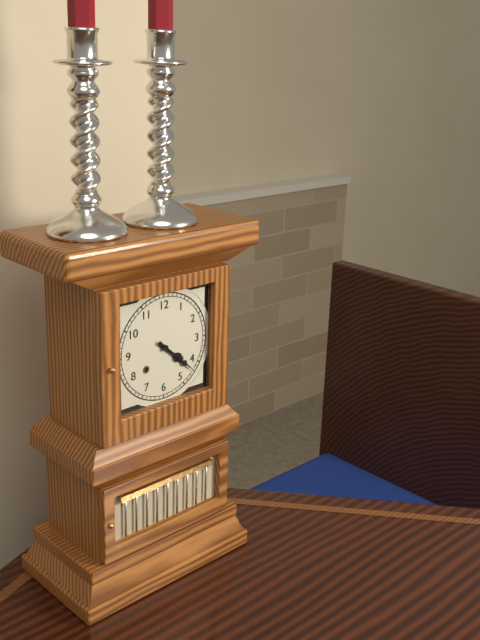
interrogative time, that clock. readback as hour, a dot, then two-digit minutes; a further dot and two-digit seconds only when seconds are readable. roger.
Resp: 4.22
